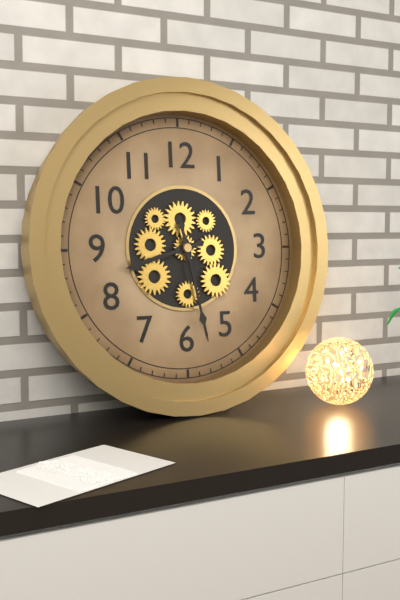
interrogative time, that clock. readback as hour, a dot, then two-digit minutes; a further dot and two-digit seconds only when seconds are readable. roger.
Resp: 8.28
